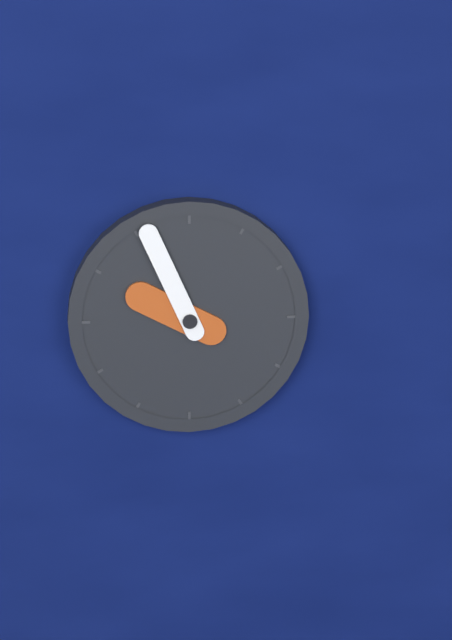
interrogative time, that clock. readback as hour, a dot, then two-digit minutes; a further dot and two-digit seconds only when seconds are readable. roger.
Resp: 9.56
